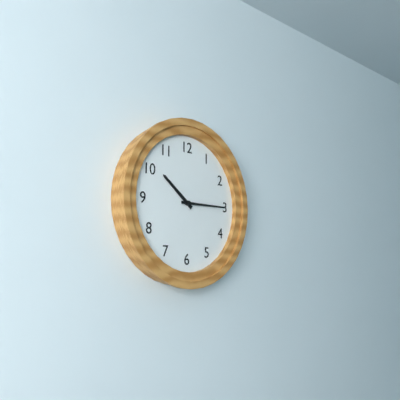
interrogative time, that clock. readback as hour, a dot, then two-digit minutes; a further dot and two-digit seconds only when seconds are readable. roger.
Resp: 10.15
